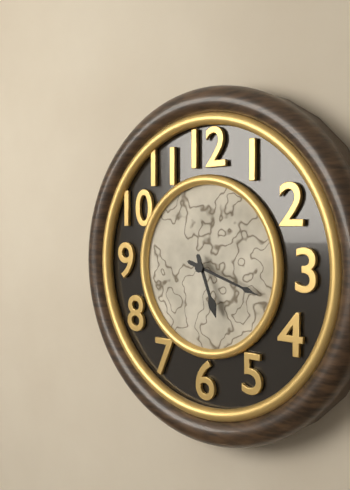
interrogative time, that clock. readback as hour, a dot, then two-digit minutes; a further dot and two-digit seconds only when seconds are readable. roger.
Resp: 5.18
